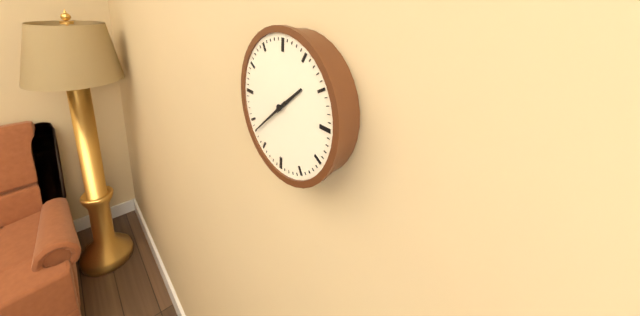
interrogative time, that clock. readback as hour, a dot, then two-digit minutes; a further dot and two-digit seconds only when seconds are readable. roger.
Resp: 1.38
